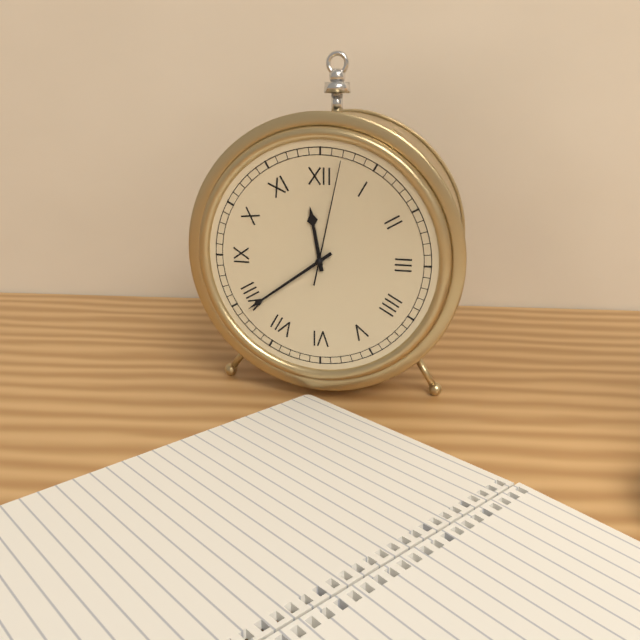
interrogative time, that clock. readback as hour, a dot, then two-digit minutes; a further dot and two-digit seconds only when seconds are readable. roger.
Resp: 11.39.02
